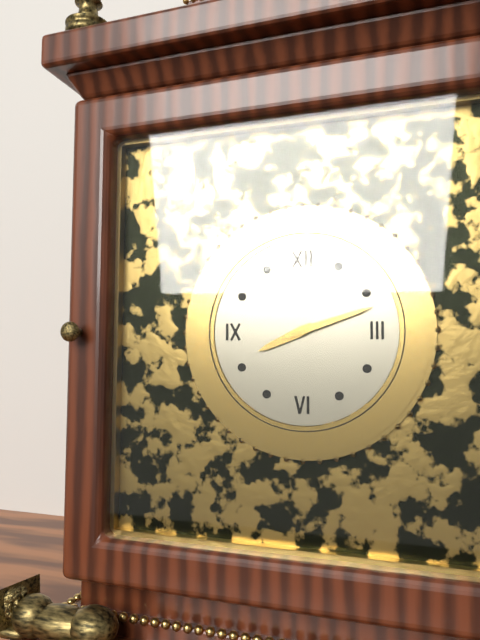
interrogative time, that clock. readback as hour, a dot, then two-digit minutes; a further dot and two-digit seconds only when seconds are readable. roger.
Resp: 8.12
